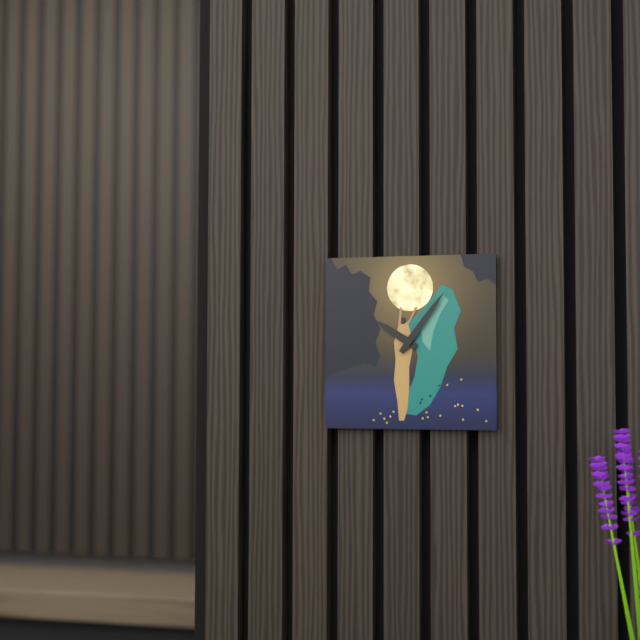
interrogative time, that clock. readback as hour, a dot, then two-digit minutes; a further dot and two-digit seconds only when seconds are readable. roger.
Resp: 10.06
